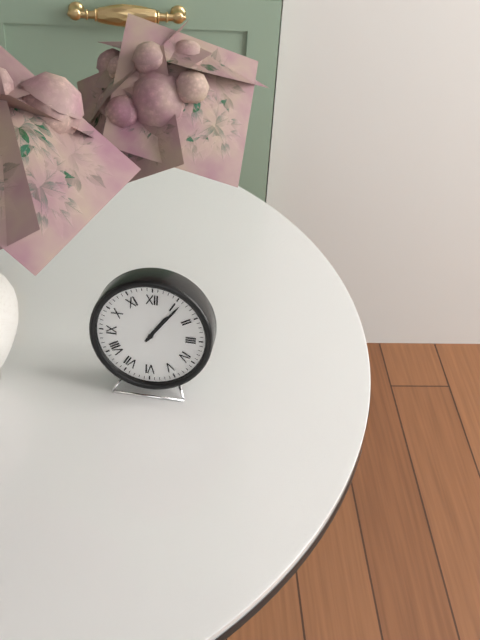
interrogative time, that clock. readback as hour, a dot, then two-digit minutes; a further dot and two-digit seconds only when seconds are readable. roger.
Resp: 1.06
